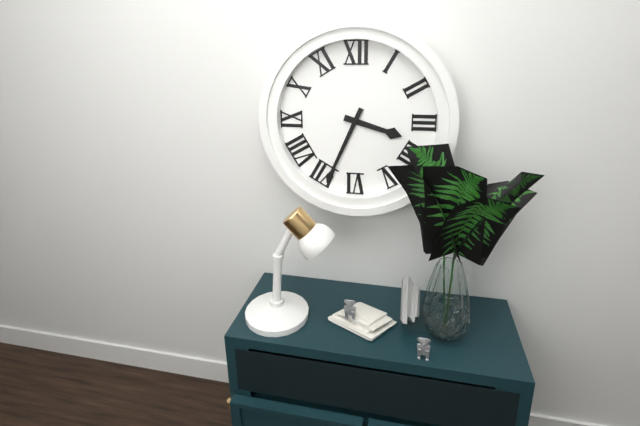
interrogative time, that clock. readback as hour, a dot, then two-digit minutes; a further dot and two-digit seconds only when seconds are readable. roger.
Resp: 3.34
